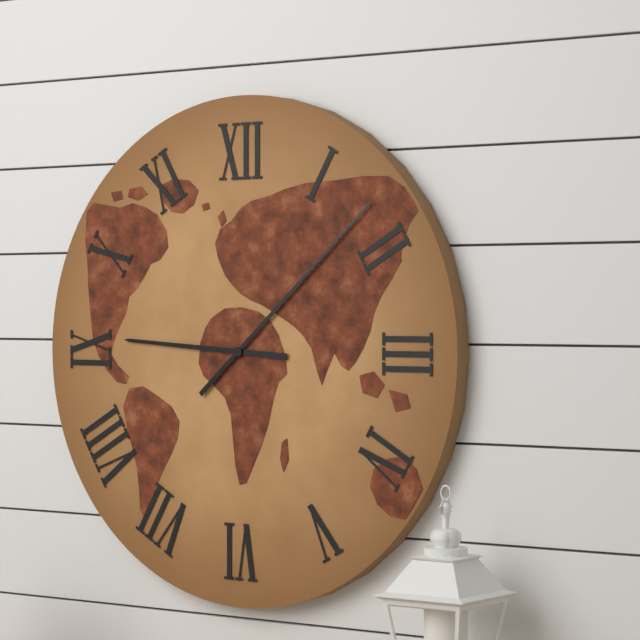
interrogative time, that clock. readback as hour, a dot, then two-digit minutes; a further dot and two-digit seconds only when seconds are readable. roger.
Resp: 9.08
